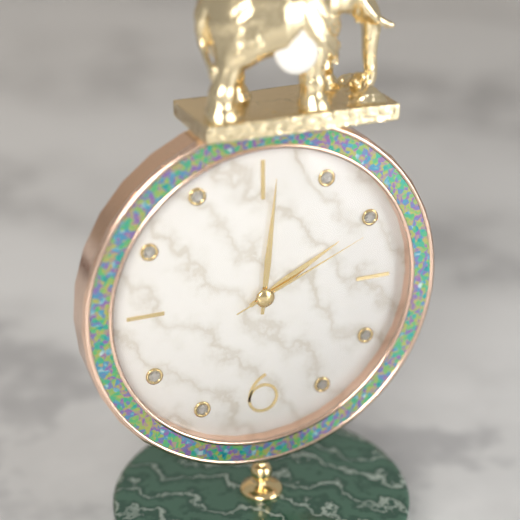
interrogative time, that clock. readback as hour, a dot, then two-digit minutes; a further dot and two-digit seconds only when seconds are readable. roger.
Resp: 2.01.11
